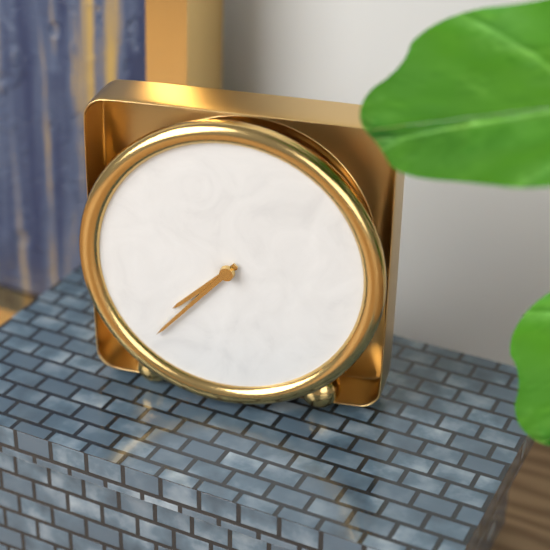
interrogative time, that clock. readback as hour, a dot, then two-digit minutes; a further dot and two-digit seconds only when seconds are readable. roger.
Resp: 7.37
